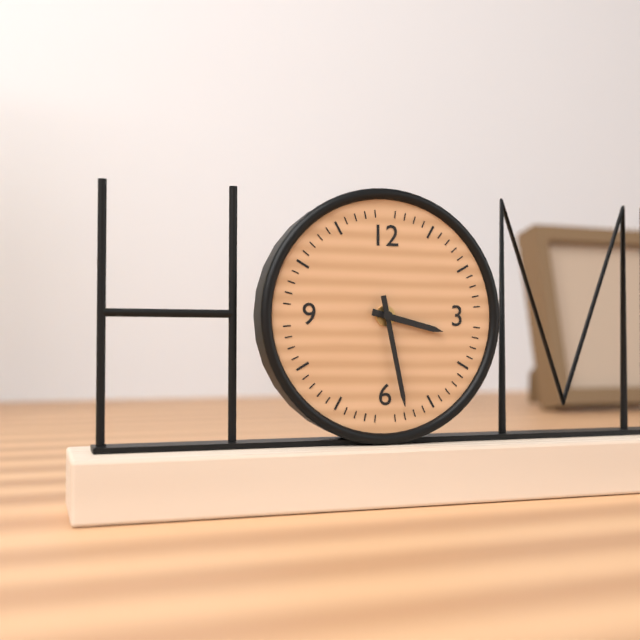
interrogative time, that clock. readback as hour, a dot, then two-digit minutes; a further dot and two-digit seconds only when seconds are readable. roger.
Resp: 3.28
